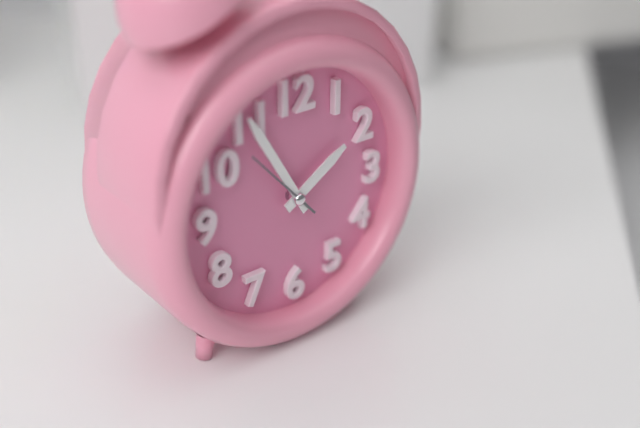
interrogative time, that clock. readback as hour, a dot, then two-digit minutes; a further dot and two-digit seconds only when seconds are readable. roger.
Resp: 1.55.53
